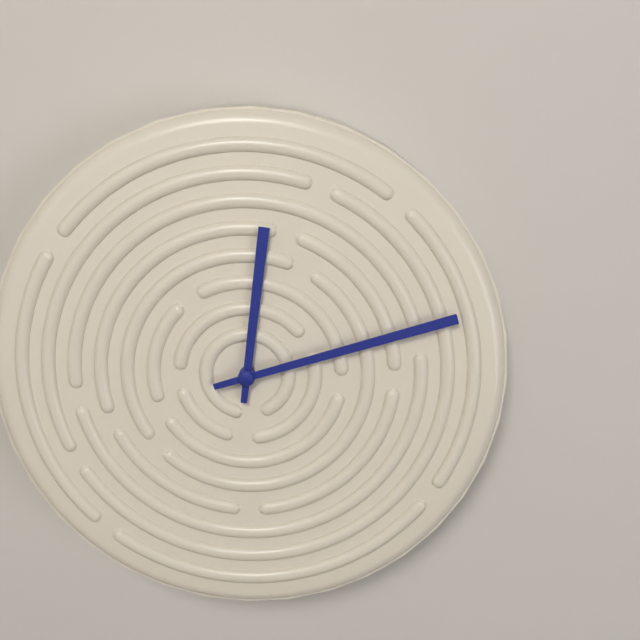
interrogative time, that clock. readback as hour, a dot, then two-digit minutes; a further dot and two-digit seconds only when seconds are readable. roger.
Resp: 12.12
